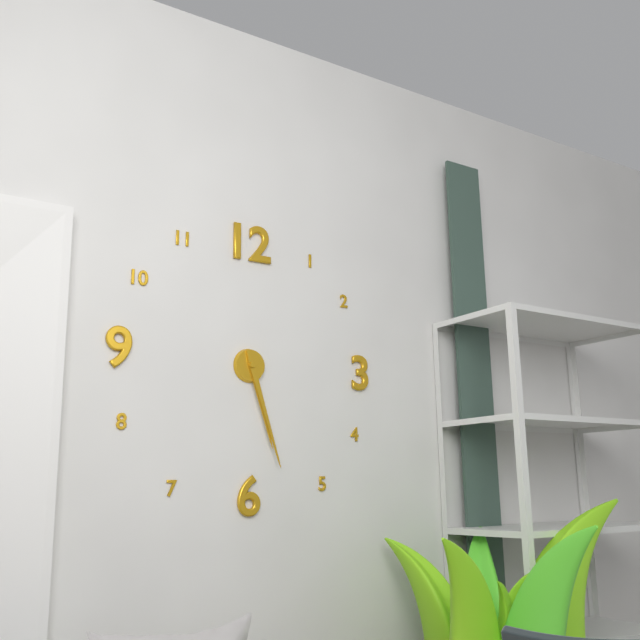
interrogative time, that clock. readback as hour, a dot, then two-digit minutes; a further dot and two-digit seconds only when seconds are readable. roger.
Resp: 5.27
